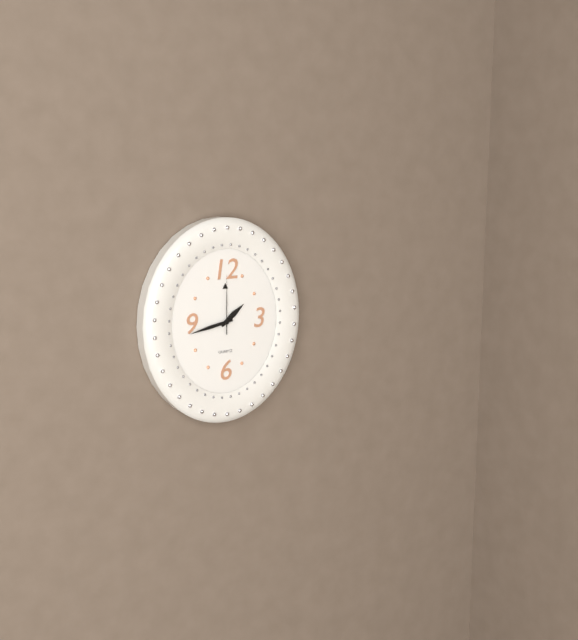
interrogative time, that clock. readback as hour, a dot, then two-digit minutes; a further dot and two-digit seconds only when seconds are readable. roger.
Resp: 1.43.00
